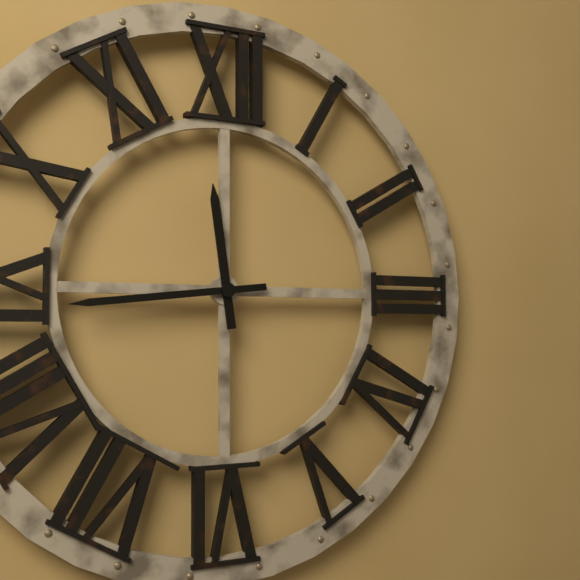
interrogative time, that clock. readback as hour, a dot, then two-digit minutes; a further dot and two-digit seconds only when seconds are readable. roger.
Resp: 11.44
